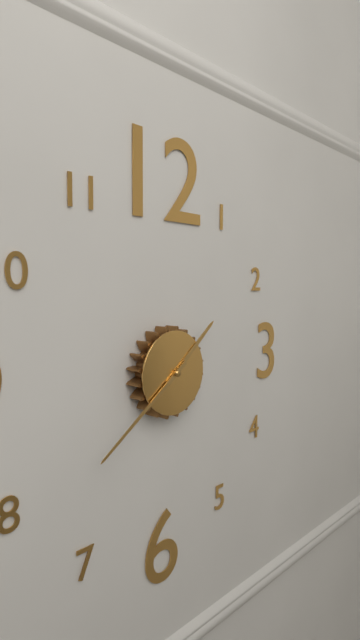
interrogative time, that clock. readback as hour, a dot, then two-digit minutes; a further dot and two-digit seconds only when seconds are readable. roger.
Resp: 1.39
